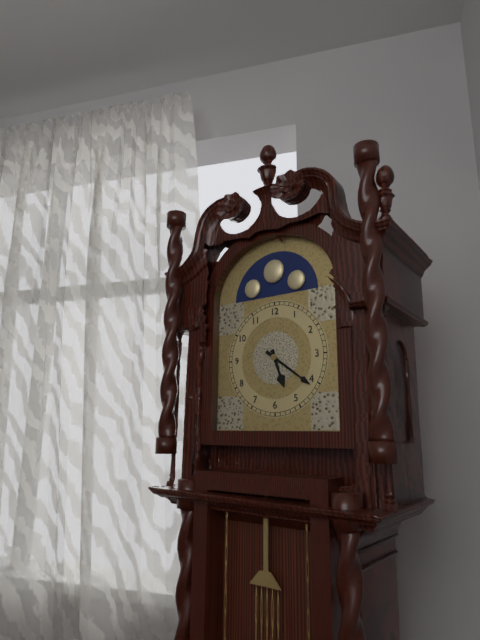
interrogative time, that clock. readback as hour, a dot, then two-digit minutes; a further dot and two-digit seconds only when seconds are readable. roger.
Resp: 5.21
